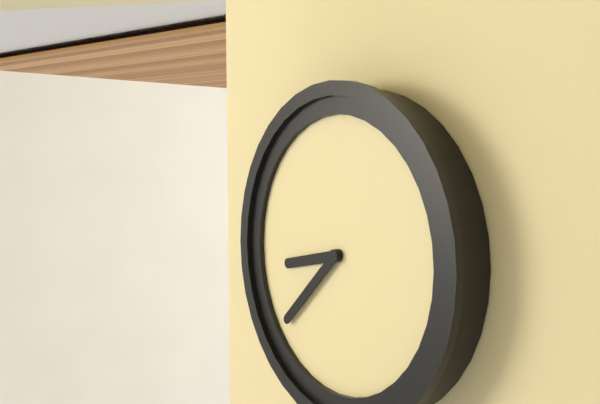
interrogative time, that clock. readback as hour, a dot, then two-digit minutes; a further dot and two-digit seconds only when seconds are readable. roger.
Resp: 8.38
